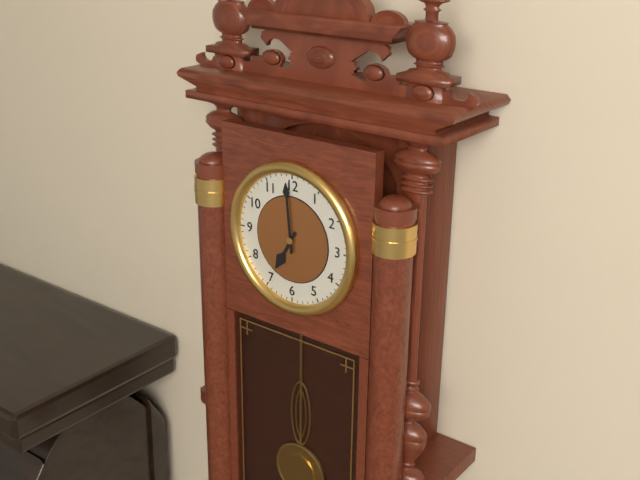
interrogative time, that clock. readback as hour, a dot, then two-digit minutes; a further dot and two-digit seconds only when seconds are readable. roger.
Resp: 6.59
